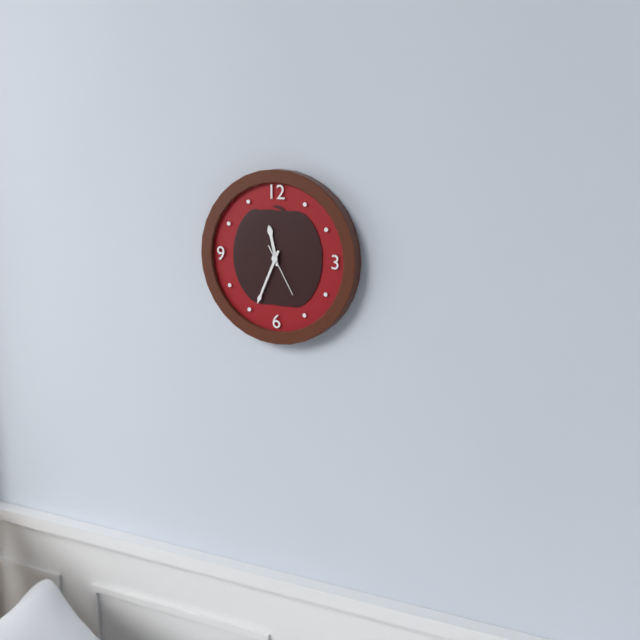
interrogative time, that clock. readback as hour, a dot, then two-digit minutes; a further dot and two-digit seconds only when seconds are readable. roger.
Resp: 11.34.25
